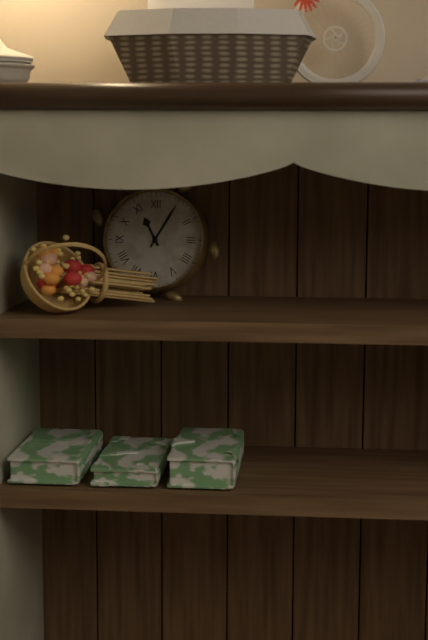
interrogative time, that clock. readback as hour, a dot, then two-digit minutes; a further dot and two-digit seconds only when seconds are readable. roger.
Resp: 11.05
